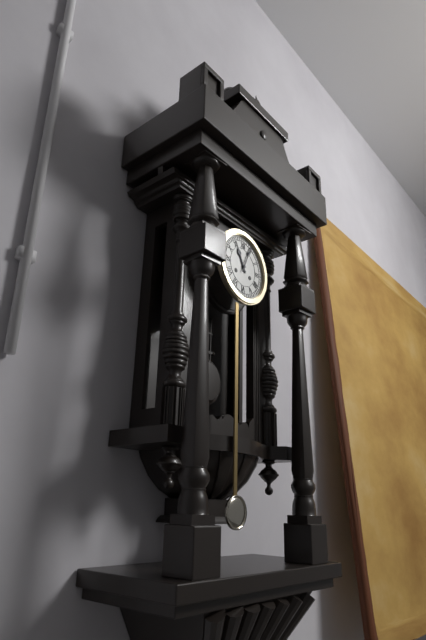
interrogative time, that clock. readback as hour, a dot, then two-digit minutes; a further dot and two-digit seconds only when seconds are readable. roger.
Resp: 11.04
